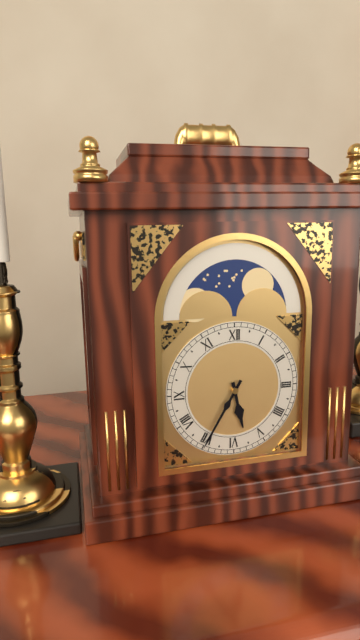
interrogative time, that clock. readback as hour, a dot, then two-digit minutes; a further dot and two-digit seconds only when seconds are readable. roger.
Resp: 5.35
